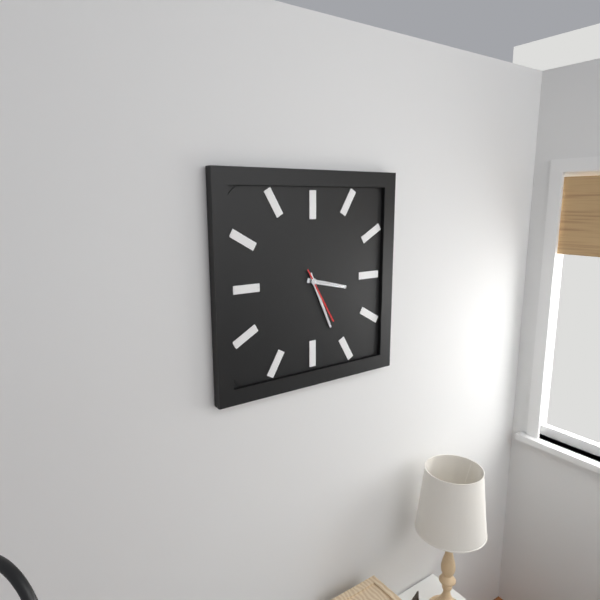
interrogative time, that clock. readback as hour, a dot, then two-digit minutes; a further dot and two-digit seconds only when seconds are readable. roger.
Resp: 3.26.25
